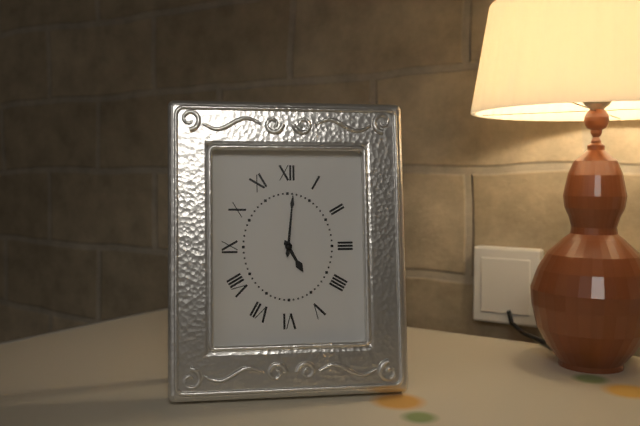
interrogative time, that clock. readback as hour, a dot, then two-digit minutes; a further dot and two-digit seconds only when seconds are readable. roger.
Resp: 5.01
